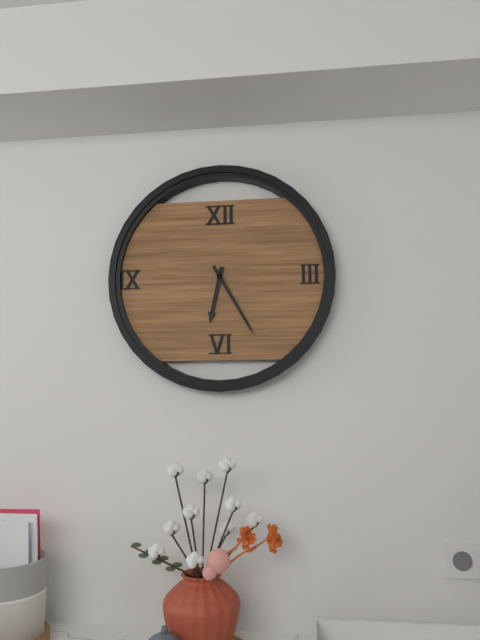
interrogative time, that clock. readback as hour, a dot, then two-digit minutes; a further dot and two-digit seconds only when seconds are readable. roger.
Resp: 6.25
